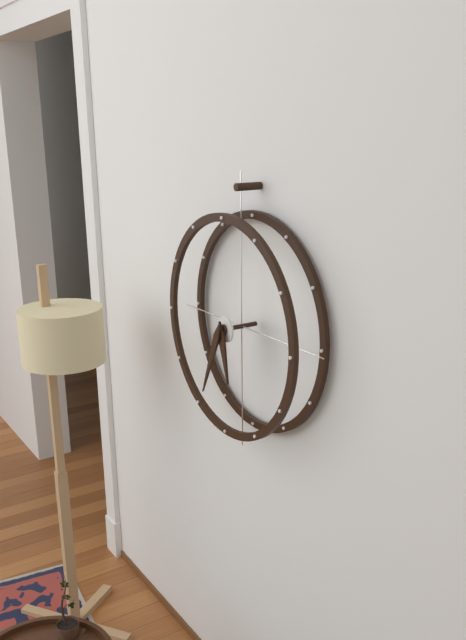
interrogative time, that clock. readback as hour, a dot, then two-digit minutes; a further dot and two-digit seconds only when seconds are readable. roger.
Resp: 5.34
